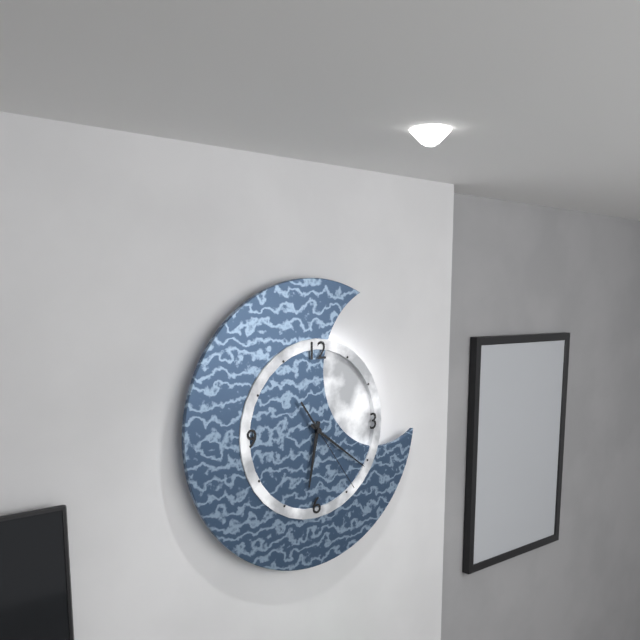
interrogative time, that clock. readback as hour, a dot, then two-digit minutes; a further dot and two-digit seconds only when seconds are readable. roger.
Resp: 6.21.24
